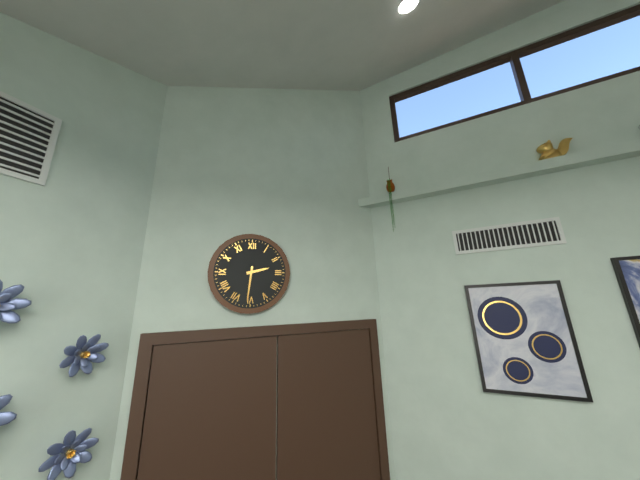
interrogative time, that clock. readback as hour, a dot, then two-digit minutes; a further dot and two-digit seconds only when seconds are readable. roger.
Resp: 2.31
